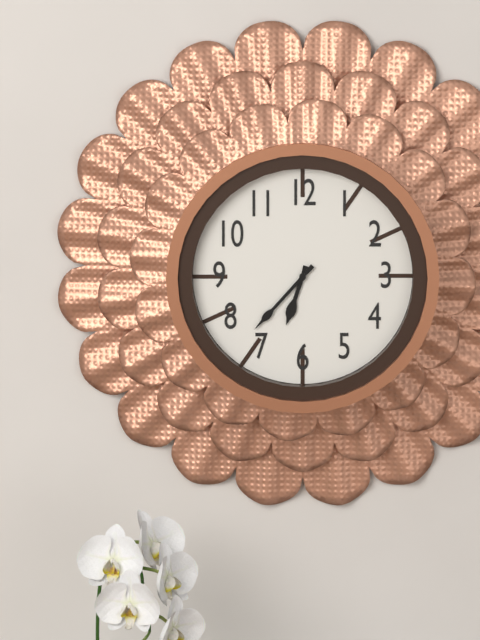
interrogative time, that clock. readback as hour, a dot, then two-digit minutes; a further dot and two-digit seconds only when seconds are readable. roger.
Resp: 6.37
